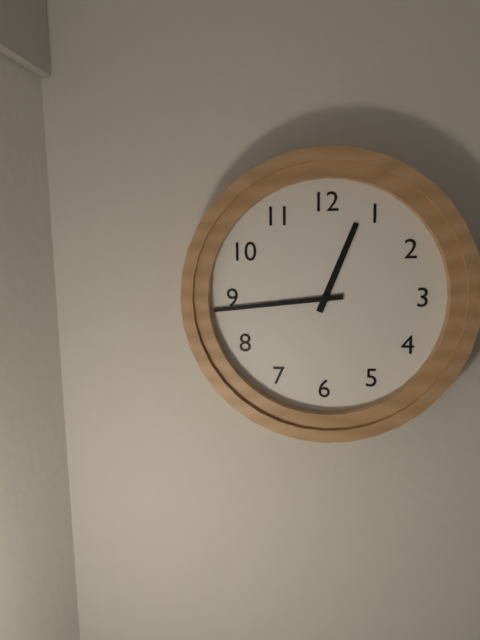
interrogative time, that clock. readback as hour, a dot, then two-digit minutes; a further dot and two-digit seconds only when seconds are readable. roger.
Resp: 12.44
